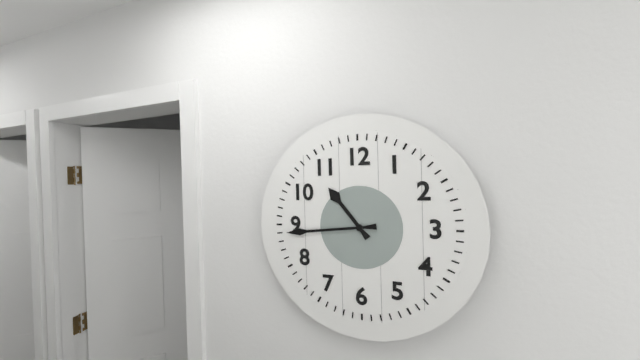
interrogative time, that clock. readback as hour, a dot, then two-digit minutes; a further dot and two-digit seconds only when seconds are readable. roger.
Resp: 10.44
